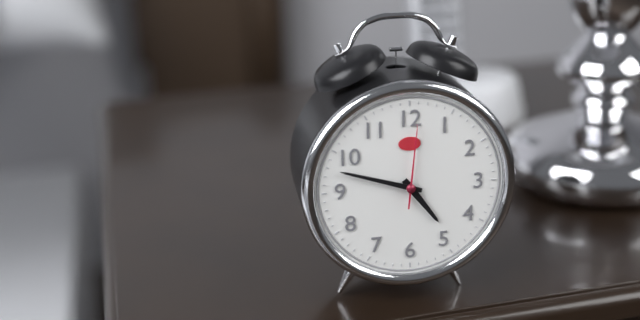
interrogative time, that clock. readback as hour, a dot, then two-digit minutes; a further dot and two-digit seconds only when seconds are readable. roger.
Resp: 4.48.01
